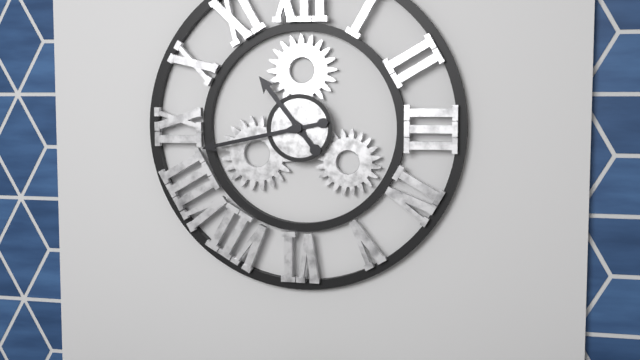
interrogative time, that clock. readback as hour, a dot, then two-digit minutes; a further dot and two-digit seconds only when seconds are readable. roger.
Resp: 10.43
